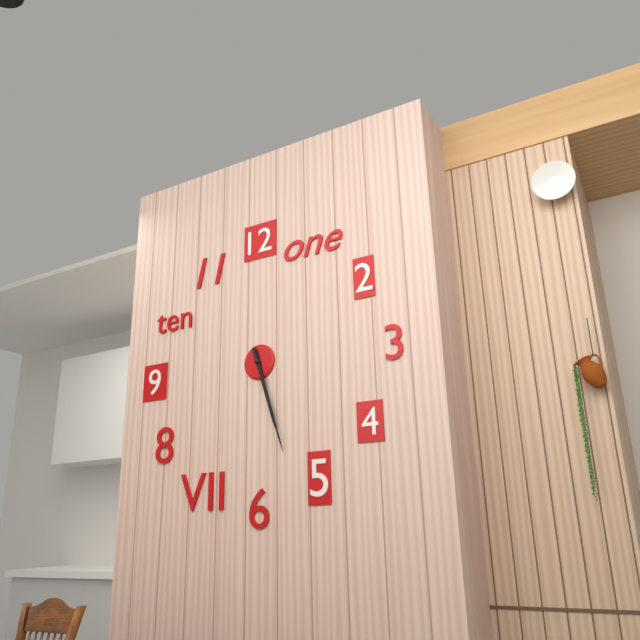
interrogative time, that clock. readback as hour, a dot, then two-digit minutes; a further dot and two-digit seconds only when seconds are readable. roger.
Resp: 5.27
